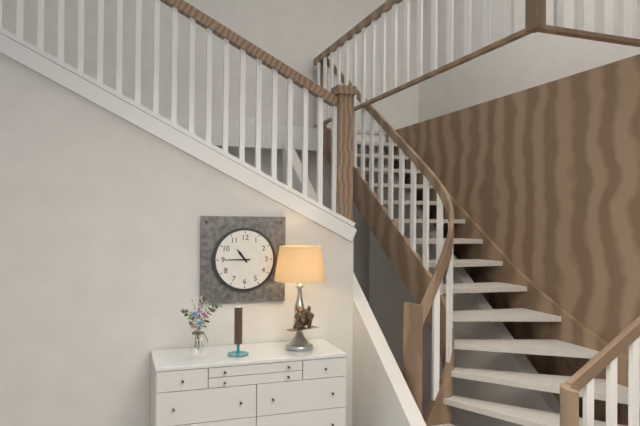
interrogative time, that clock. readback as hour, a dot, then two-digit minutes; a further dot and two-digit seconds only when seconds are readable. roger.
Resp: 10.45
